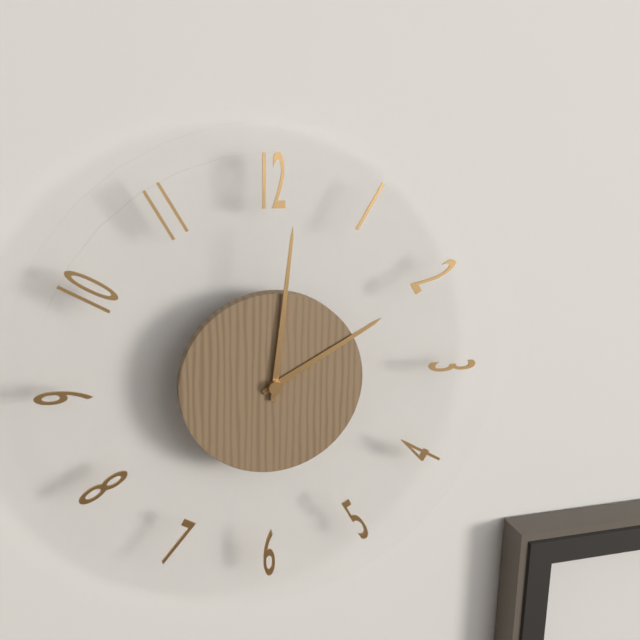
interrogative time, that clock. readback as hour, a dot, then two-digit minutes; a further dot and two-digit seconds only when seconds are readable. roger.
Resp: 2.01
